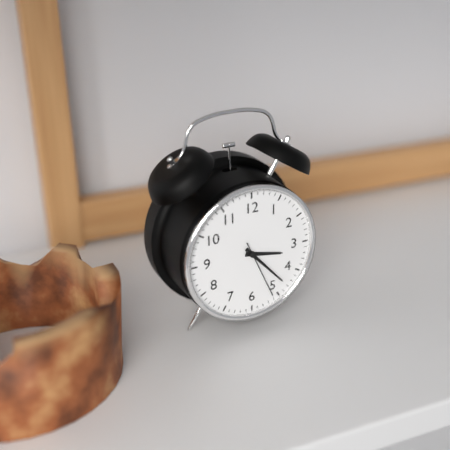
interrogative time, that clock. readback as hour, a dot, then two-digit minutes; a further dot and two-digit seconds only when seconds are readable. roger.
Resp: 3.23.26
